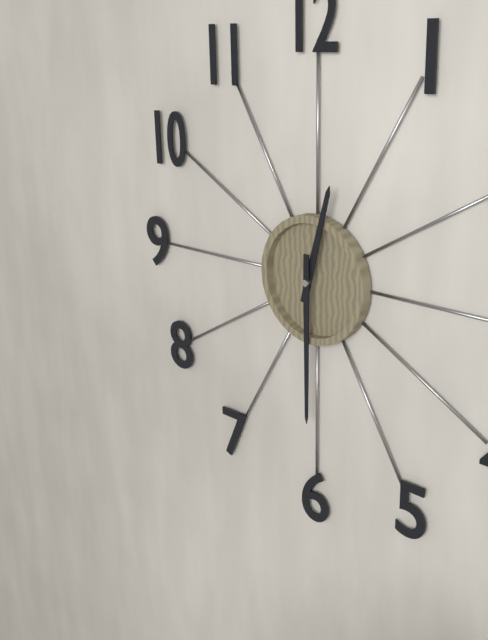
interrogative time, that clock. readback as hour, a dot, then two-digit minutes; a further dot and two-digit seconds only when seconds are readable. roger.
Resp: 12.30
